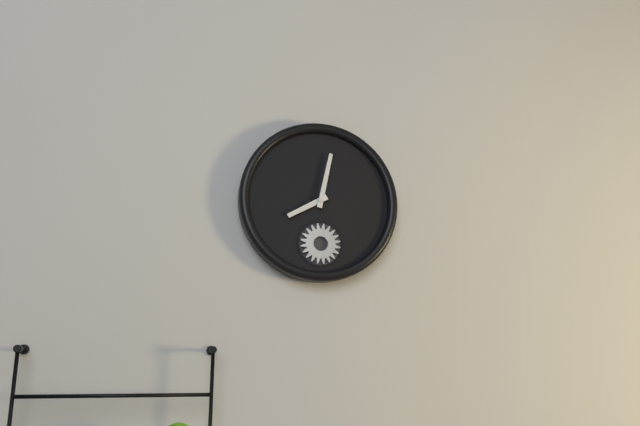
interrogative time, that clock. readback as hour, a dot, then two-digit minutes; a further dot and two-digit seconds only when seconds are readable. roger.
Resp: 8.02
